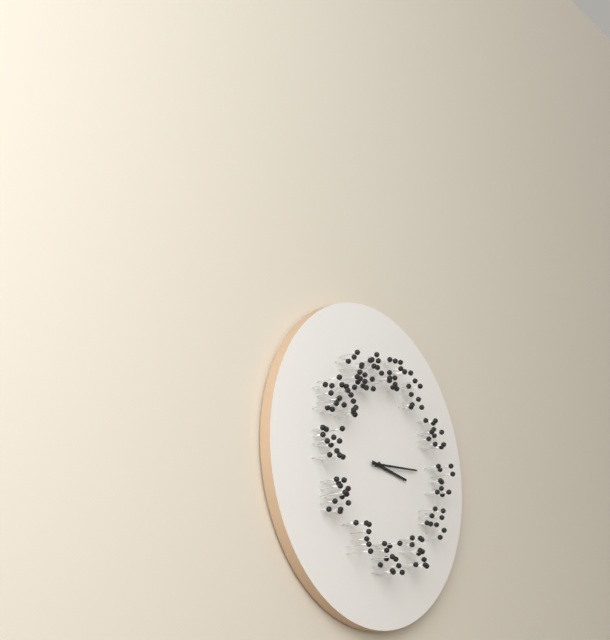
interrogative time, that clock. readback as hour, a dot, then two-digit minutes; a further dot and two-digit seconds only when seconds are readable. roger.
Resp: 3.14
